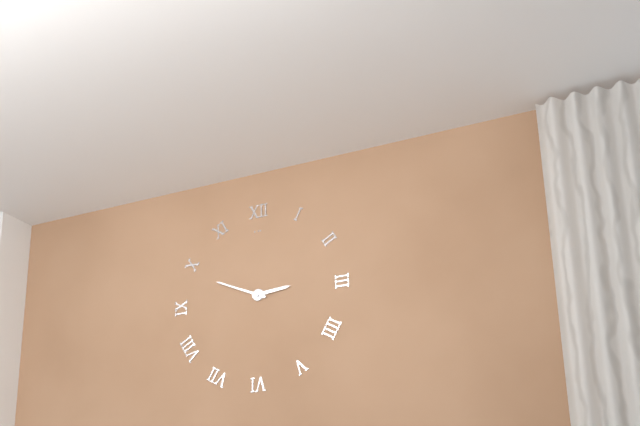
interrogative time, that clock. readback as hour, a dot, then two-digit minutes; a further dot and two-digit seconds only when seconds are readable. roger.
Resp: 2.49
